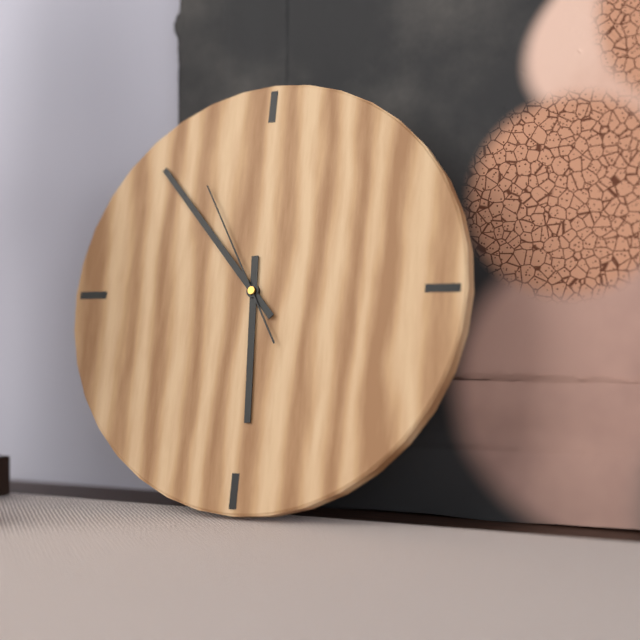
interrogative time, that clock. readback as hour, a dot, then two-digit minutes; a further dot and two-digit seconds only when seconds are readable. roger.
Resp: 5.53.55
